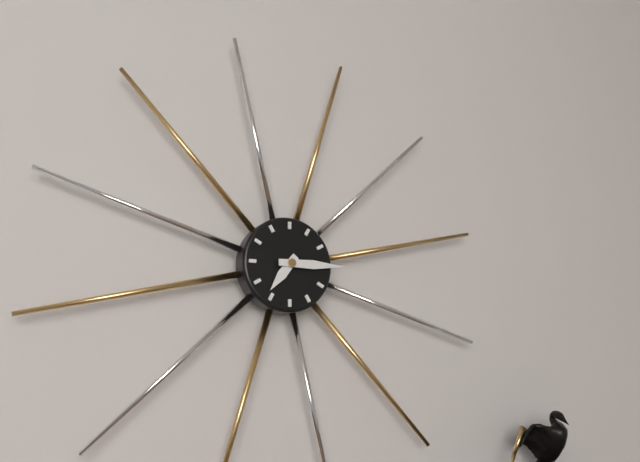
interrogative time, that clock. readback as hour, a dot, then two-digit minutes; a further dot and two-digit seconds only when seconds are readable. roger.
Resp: 7.15
